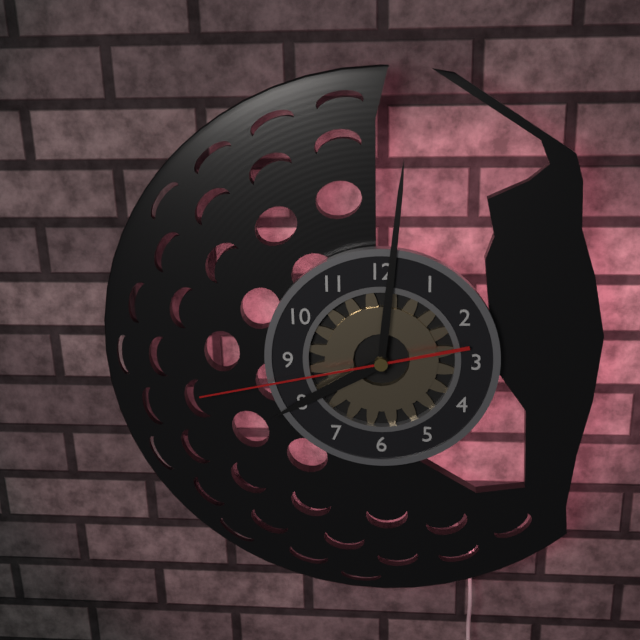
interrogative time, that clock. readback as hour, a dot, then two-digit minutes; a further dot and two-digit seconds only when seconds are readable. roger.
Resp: 8.01.43
